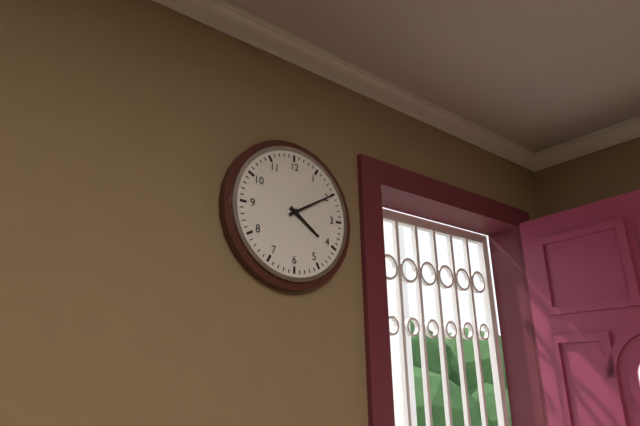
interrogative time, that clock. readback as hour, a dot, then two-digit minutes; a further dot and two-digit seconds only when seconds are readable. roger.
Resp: 4.10
